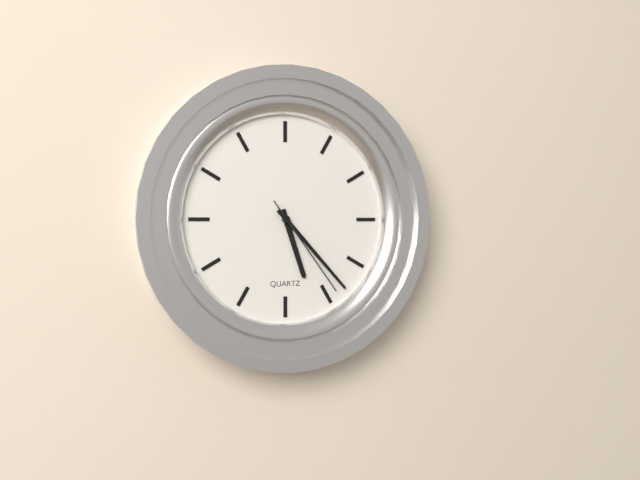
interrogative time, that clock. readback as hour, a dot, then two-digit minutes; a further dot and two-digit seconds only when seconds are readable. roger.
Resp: 5.23.24
